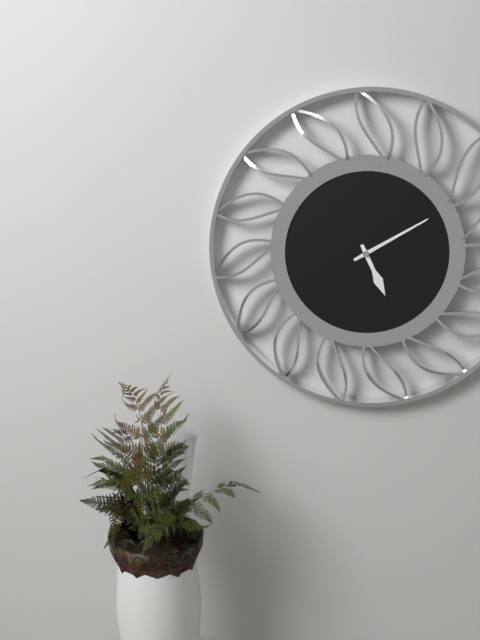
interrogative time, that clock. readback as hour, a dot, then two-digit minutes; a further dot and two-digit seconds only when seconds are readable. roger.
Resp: 5.10
